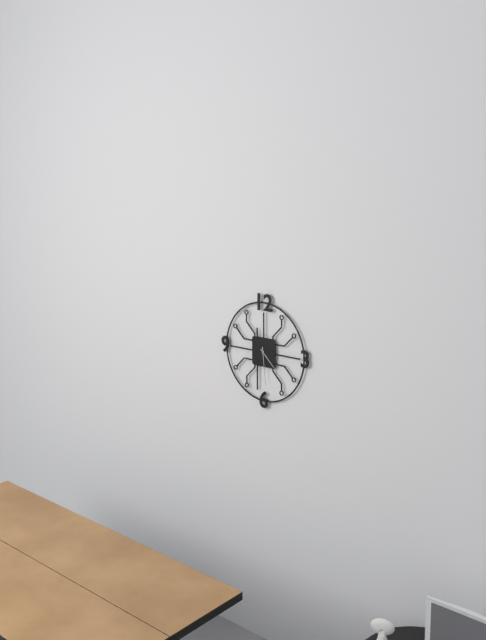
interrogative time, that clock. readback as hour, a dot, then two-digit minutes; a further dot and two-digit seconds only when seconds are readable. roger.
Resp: 4.29
